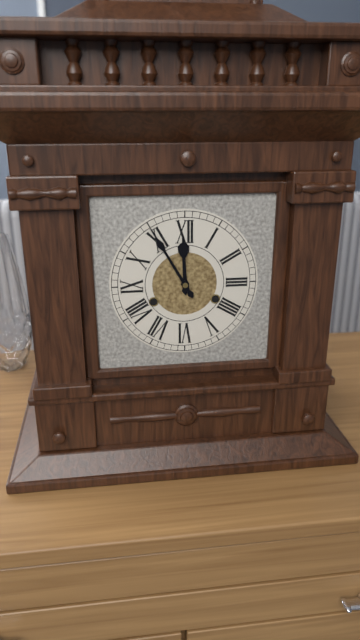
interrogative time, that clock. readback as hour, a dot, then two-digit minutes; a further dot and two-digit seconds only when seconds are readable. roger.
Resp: 11.55
